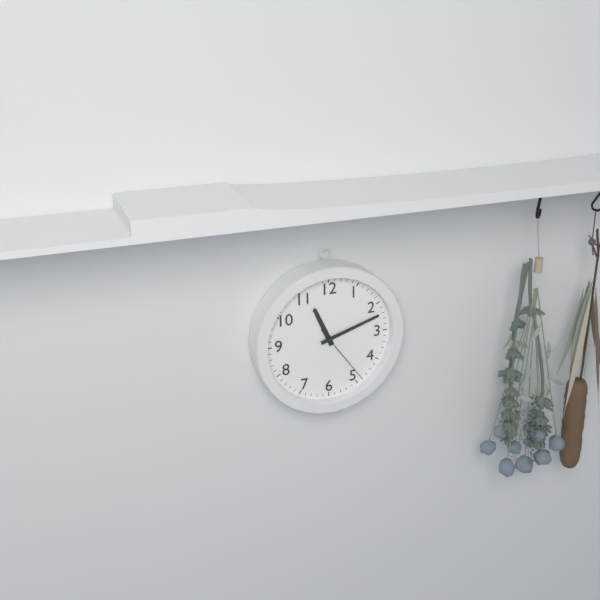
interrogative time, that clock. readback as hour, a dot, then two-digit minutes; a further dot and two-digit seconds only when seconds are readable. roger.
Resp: 11.12.24
